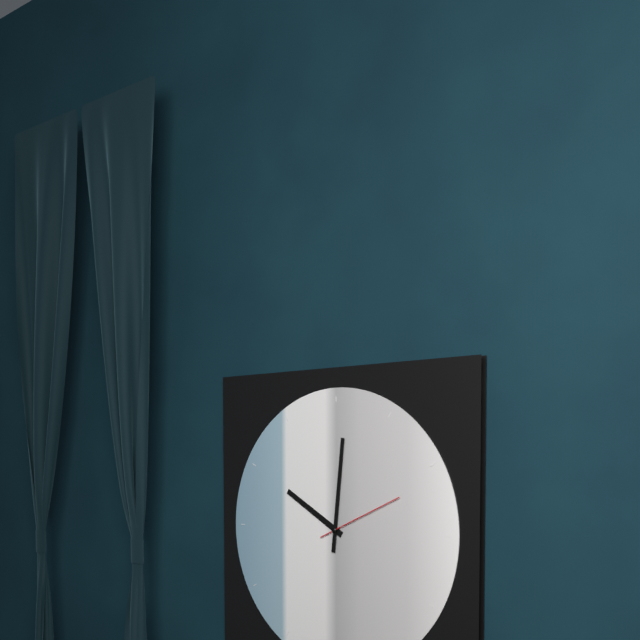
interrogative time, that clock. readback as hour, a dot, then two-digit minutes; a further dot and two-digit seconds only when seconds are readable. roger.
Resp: 10.01.11
